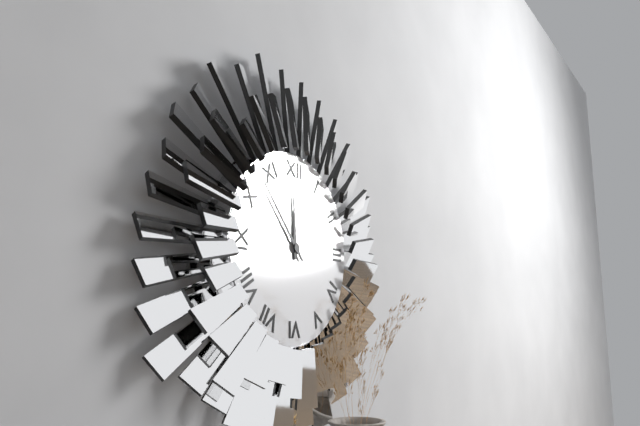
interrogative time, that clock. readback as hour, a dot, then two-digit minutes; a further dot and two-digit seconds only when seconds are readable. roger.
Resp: 11.53
